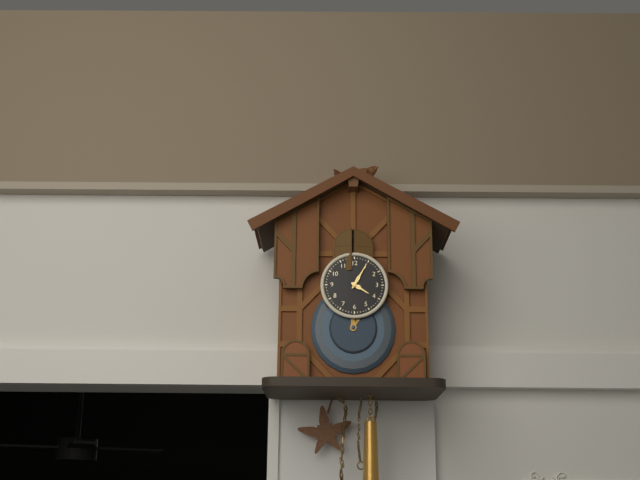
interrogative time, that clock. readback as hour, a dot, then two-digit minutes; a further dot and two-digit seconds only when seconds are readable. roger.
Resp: 4.05
